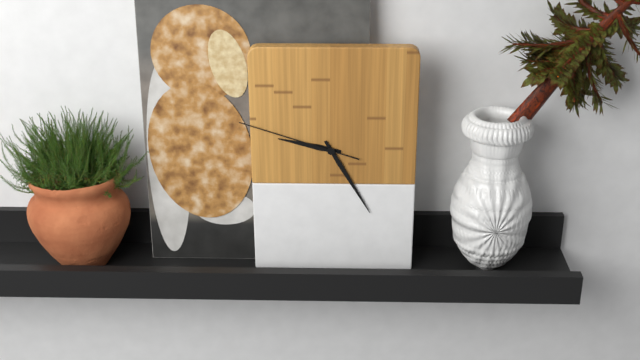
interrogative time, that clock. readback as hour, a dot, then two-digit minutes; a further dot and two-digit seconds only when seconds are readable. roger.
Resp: 9.25.48
